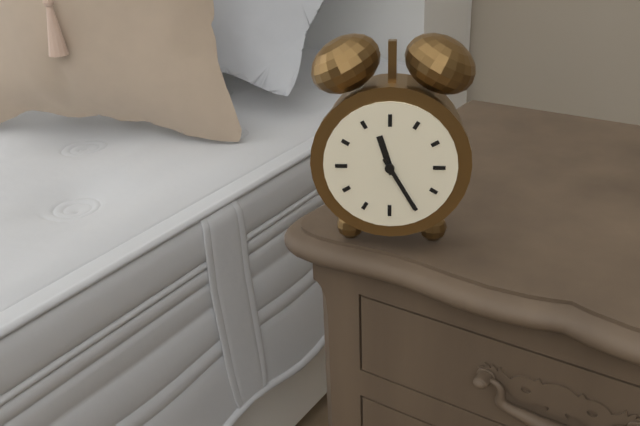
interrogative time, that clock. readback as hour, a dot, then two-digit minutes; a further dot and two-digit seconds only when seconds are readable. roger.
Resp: 11.25
